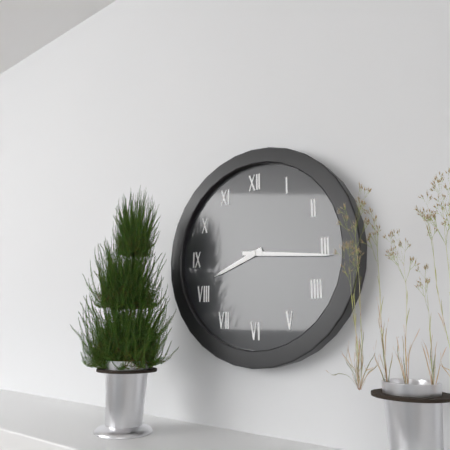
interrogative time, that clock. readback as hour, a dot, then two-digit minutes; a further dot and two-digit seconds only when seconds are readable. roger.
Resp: 8.16
